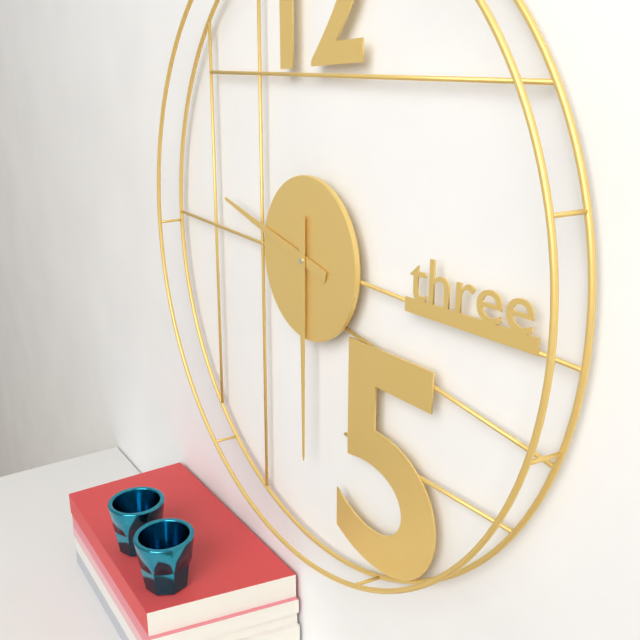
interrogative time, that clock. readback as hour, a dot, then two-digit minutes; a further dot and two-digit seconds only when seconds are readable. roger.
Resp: 9.30
